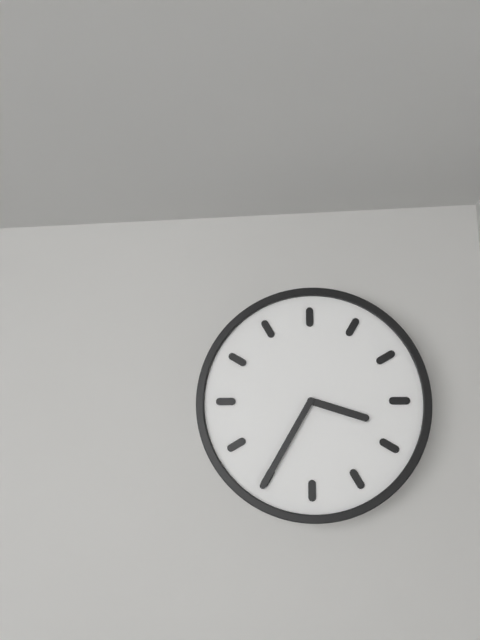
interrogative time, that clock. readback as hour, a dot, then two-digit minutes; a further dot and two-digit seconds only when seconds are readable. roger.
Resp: 3.35
